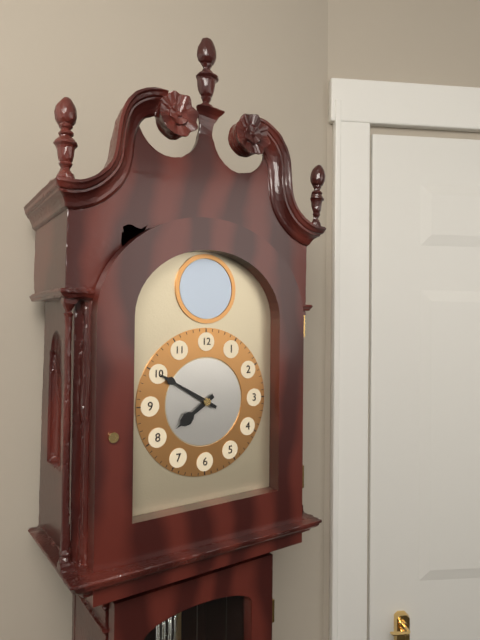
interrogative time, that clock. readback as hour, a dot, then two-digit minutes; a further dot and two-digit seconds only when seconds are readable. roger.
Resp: 7.50
